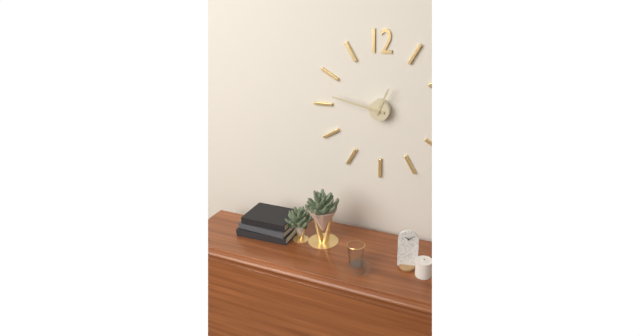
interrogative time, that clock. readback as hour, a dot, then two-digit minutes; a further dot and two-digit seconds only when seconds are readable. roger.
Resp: 12.47
